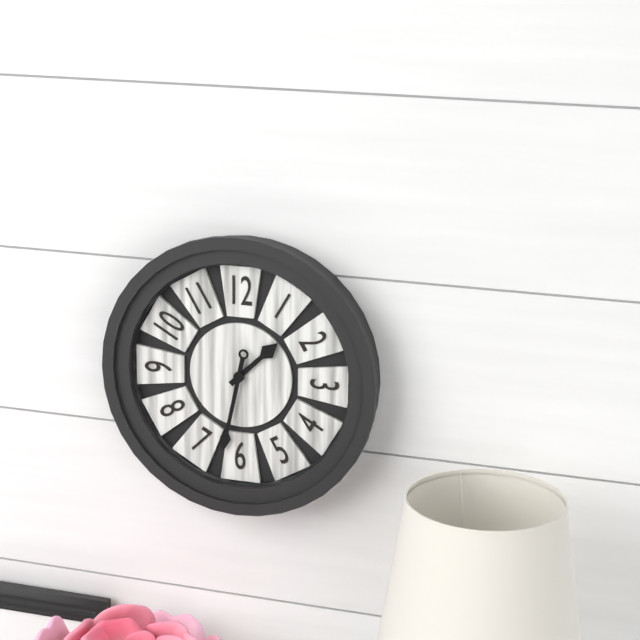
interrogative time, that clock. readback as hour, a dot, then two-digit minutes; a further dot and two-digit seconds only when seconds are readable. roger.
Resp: 1.32
